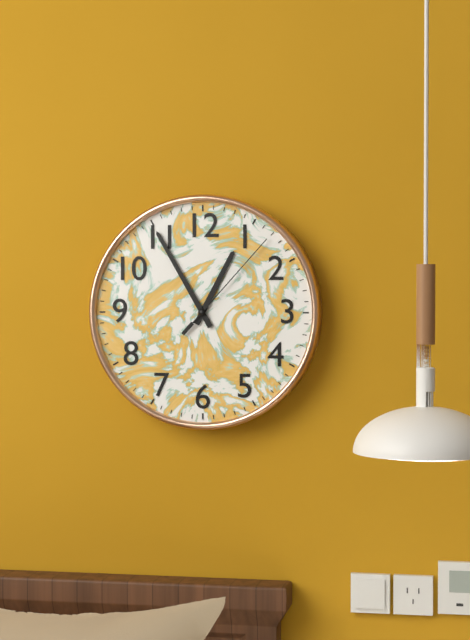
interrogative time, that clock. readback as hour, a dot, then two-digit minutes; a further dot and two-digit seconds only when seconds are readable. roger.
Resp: 12.55.07
